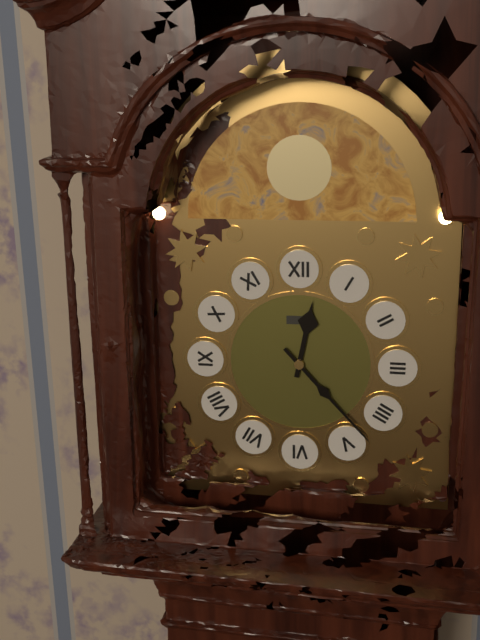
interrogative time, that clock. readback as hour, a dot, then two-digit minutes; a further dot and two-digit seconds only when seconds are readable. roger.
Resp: 12.23
